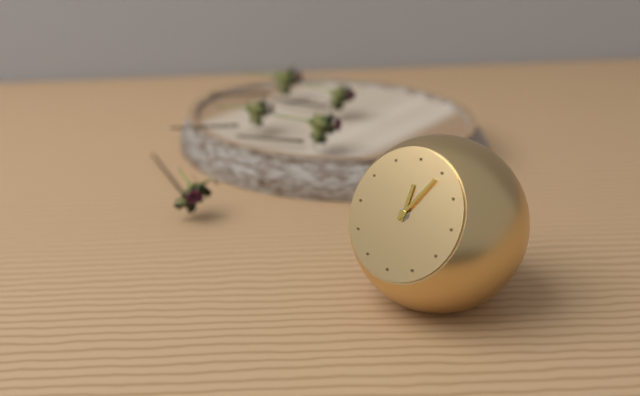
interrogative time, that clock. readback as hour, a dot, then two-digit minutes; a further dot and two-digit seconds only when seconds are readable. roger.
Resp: 12.05
